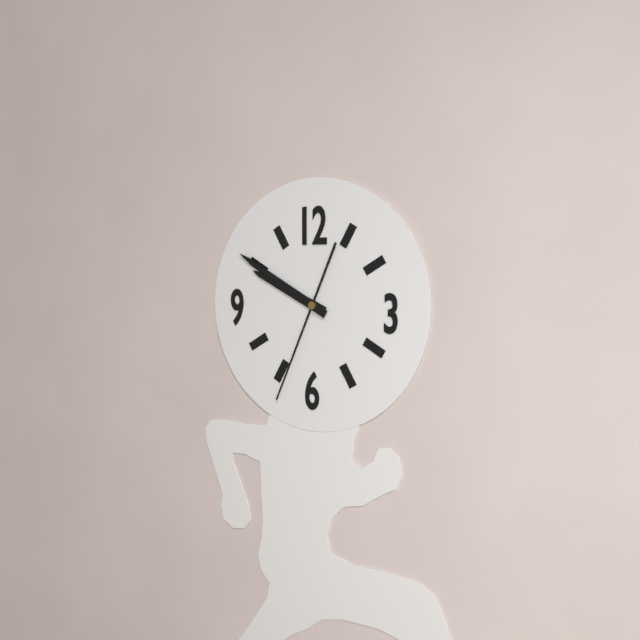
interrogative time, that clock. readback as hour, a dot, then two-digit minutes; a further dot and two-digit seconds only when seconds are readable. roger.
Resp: 9.50.34
